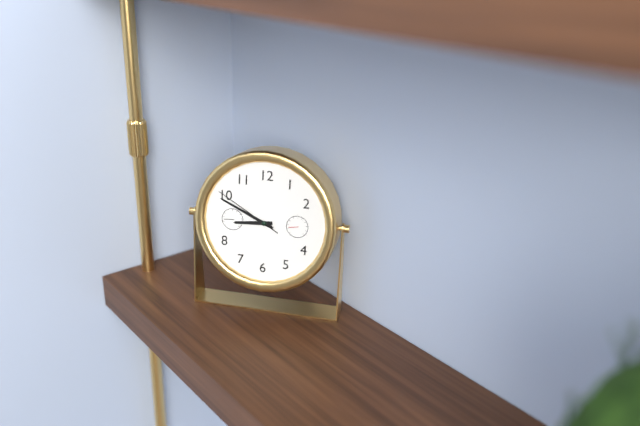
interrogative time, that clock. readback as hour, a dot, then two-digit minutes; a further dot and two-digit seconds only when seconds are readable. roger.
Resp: 8.49.50
